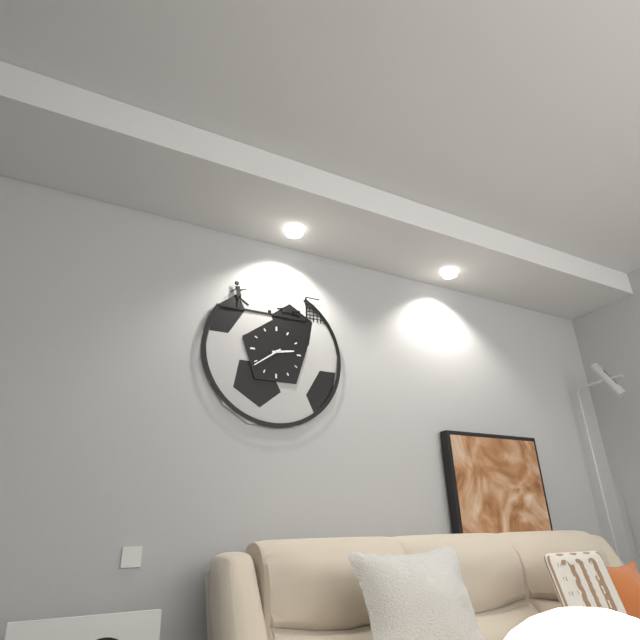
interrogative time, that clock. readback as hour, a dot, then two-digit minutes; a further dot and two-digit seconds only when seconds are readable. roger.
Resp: 2.39
